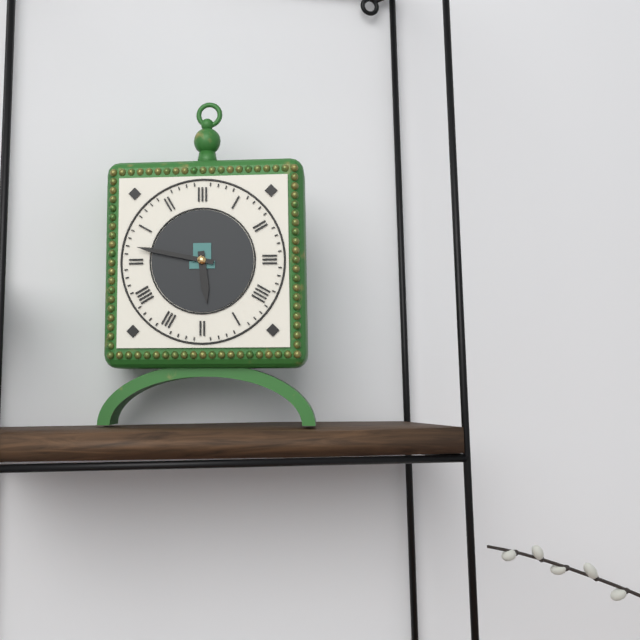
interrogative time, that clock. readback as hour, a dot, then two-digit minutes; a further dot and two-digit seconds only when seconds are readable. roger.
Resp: 5.47
